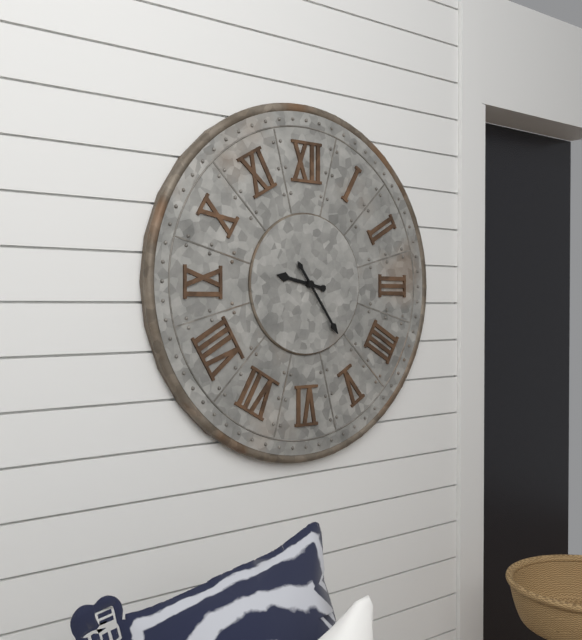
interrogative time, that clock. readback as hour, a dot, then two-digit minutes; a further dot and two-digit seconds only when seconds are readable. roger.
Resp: 9.24
